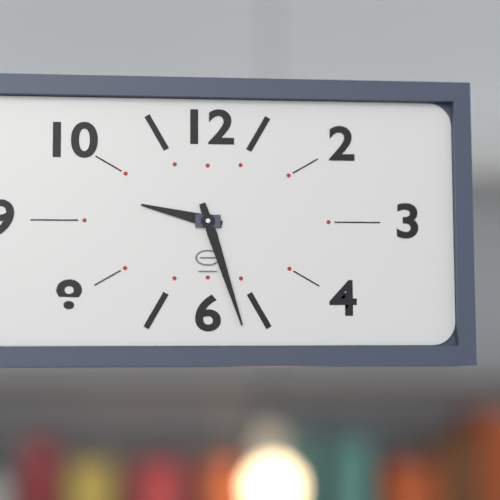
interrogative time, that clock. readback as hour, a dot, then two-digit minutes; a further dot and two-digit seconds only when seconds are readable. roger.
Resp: 9.27
